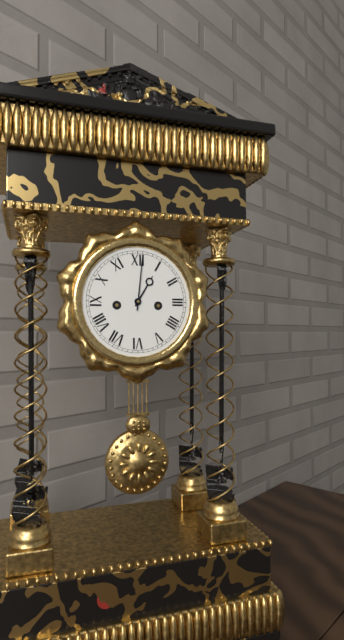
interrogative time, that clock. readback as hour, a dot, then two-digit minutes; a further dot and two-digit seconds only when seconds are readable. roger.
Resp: 1.01
